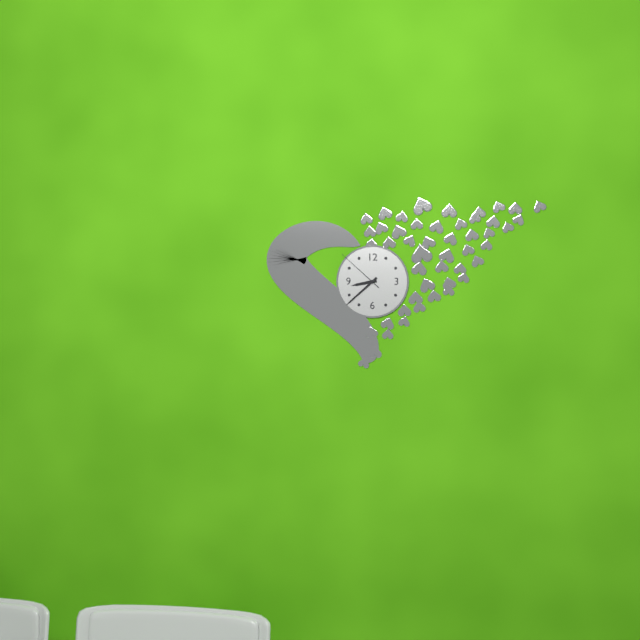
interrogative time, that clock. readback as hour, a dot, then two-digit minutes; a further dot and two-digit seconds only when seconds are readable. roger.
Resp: 8.38.52
